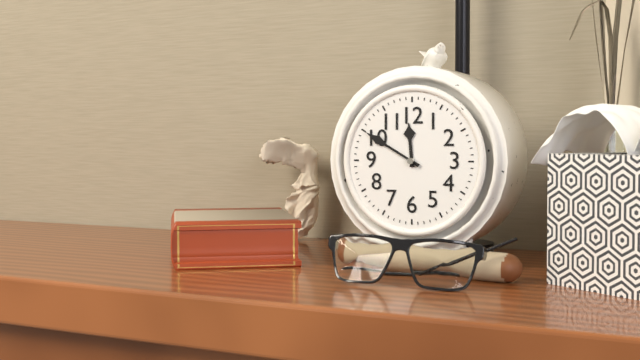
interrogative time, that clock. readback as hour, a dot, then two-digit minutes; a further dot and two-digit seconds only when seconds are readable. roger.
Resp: 11.50
